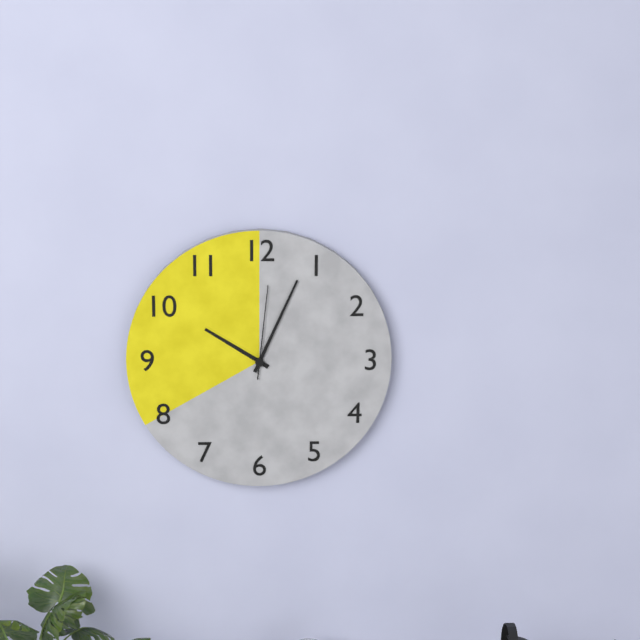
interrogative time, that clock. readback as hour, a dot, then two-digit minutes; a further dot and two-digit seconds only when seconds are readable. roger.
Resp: 10.04.01
